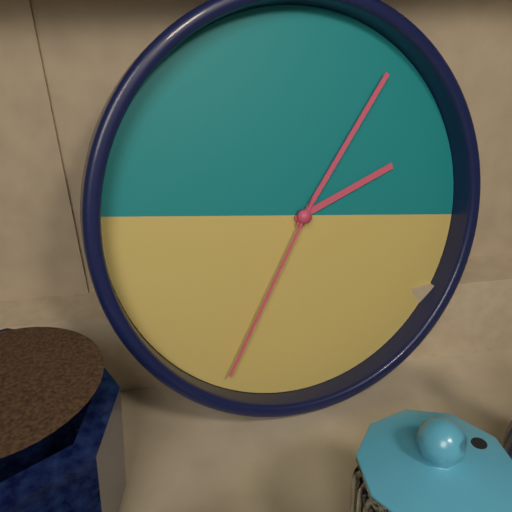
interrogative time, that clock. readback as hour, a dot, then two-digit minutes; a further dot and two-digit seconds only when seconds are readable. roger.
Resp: 2.05.34
